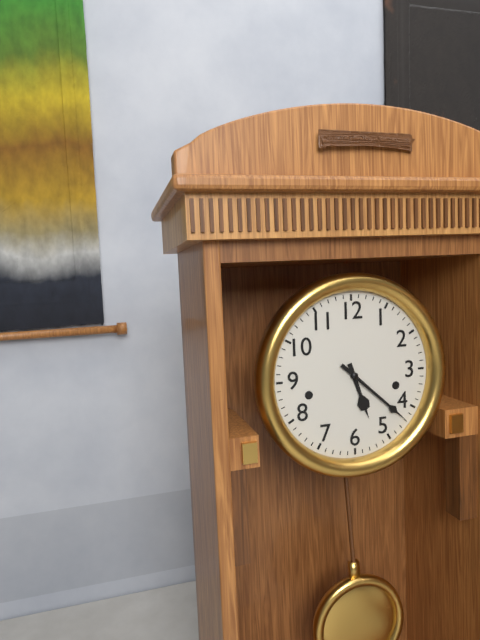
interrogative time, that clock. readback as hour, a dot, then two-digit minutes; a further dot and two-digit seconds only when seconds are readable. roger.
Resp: 5.22
